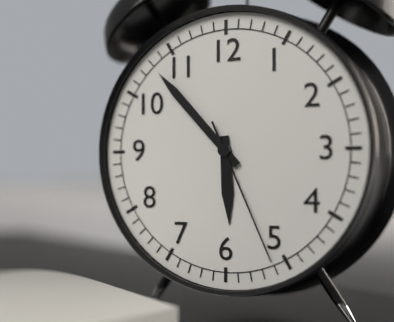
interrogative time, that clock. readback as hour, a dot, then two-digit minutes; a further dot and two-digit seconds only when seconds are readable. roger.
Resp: 5.53.26
